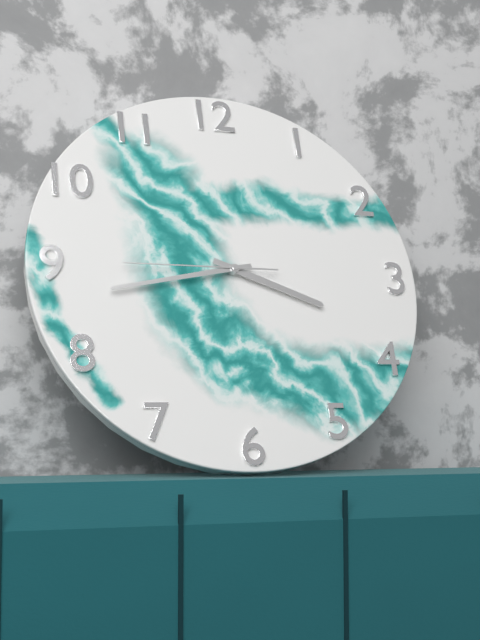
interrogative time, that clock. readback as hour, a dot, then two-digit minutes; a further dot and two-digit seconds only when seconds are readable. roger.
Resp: 3.43.45
